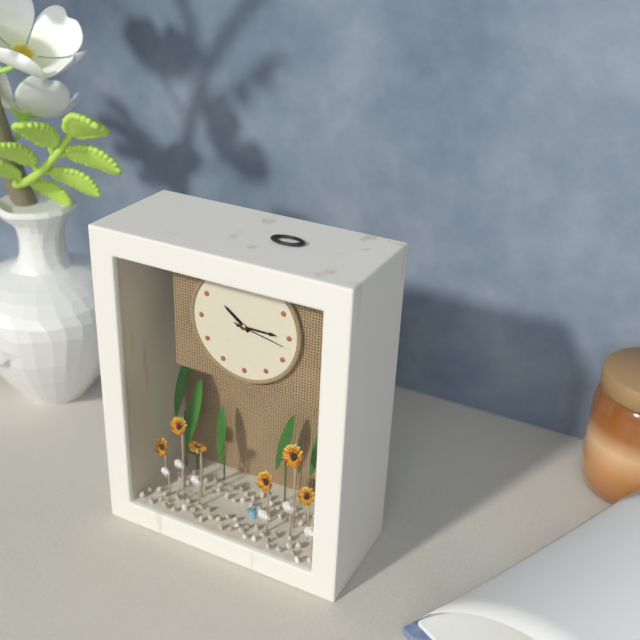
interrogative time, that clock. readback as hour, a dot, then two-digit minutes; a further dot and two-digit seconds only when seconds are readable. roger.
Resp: 10.15.17
